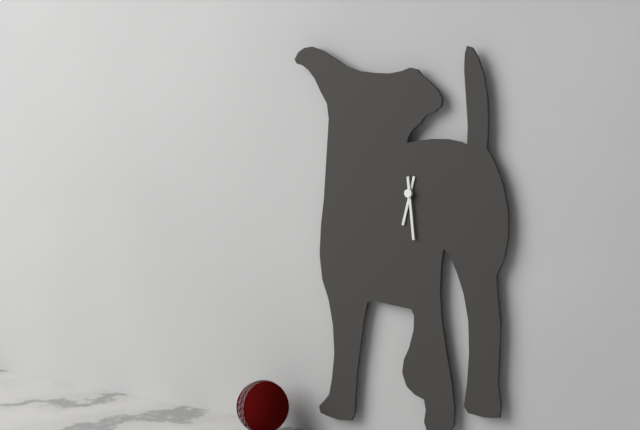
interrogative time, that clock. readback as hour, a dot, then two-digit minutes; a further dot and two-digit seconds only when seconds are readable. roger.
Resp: 6.29
